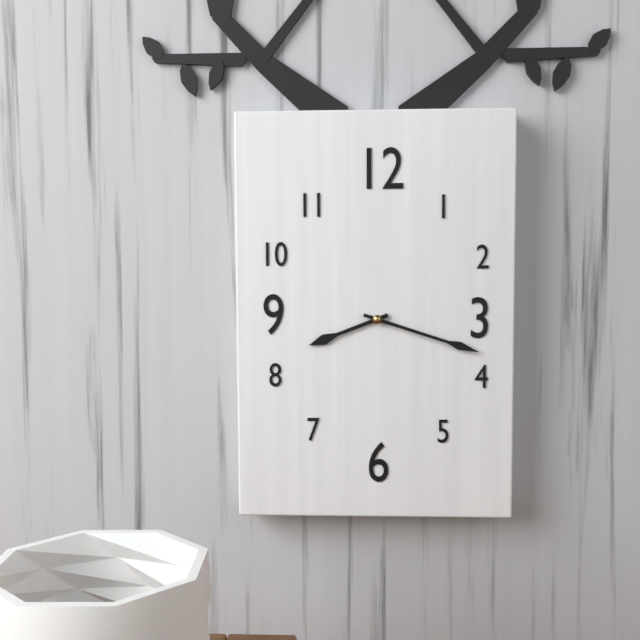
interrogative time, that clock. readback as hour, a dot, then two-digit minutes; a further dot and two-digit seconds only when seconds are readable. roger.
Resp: 8.18
